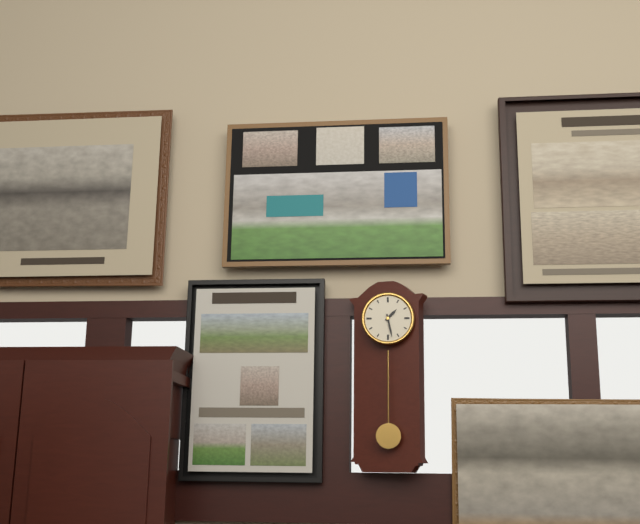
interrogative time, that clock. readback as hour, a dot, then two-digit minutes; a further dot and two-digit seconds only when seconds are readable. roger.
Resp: 1.28
